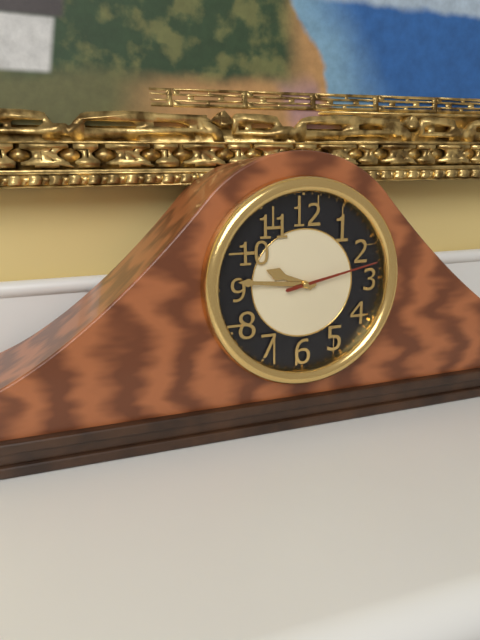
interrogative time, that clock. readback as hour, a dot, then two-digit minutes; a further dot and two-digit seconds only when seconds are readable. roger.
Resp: 9.46.13
